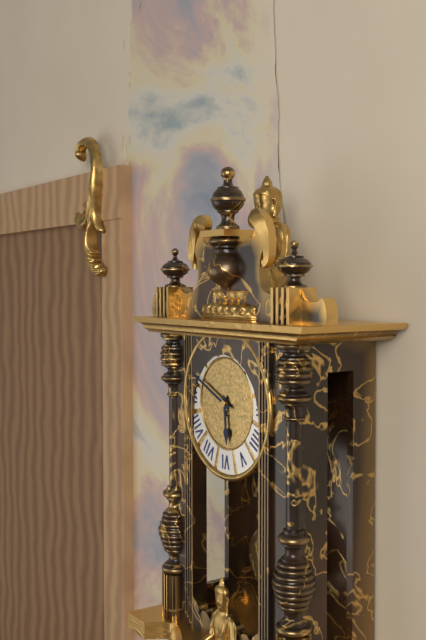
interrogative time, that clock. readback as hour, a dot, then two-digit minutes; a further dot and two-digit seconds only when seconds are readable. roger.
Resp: 5.49
